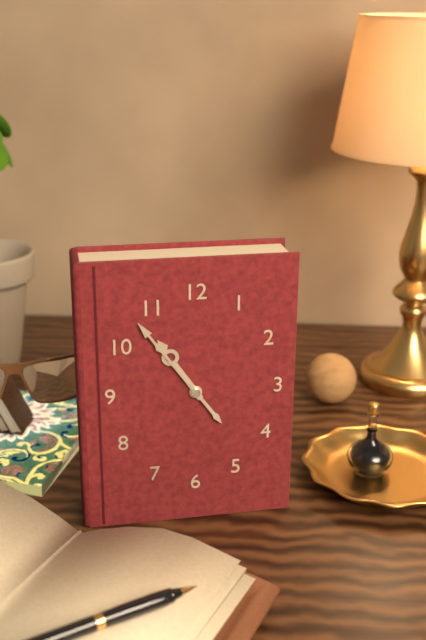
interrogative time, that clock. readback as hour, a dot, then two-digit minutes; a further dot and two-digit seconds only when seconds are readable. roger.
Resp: 10.54
